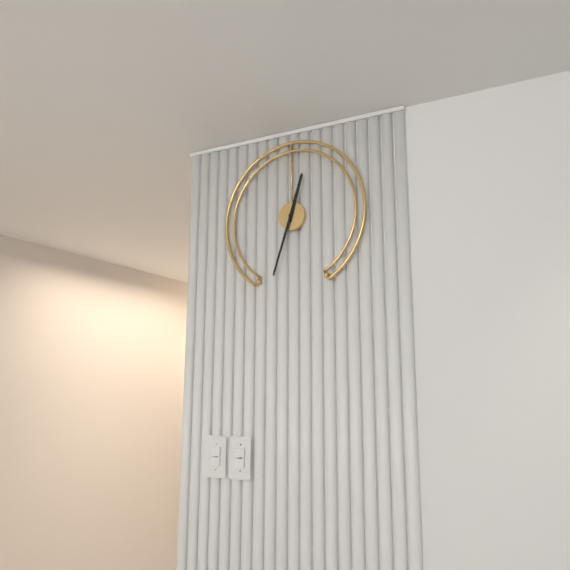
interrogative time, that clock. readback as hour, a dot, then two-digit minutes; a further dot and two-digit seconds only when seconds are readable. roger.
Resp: 12.33
